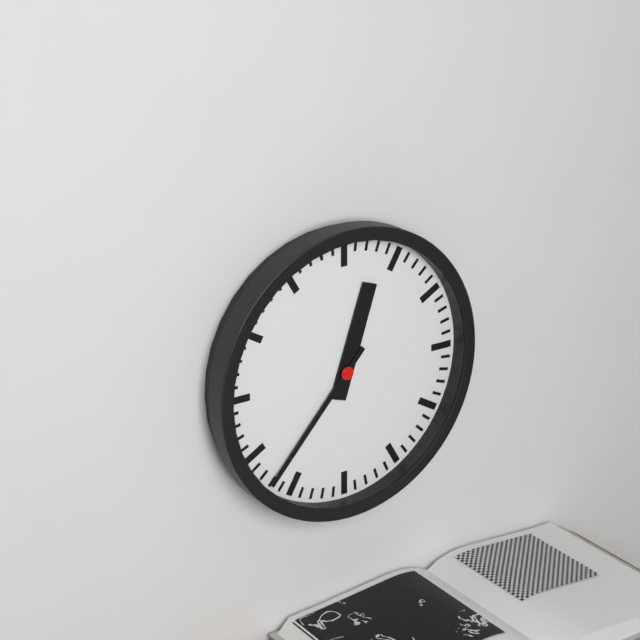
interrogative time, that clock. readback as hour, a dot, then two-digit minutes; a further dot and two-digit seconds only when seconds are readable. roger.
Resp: 12.37
